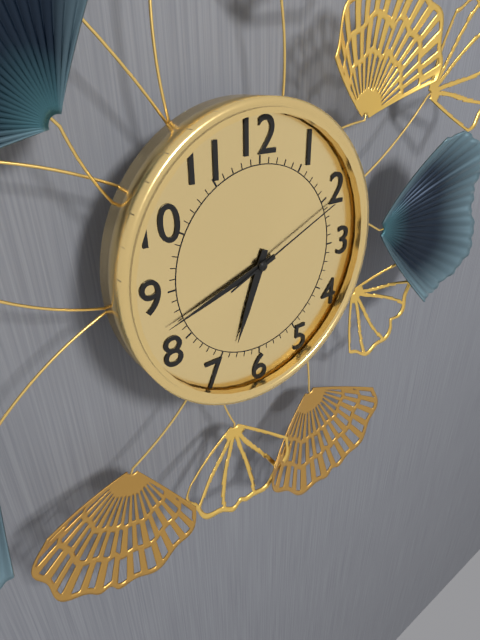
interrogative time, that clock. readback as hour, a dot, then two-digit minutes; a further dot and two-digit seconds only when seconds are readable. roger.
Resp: 6.42.11
